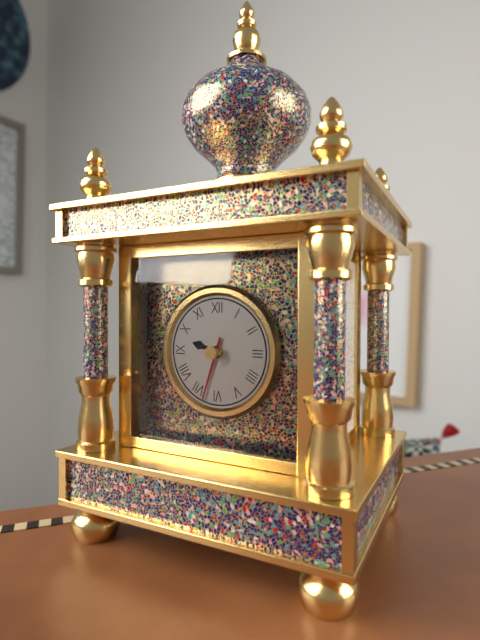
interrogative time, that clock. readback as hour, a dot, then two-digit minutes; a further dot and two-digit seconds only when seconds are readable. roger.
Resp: 9.33
